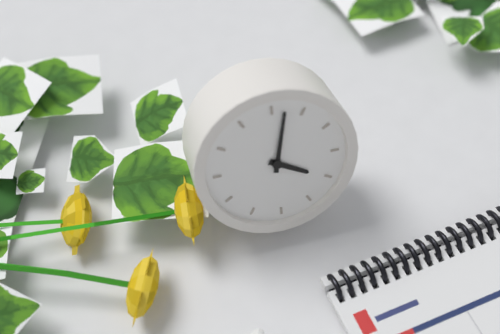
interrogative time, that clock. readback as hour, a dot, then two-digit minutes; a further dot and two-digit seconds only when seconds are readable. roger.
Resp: 4.02
